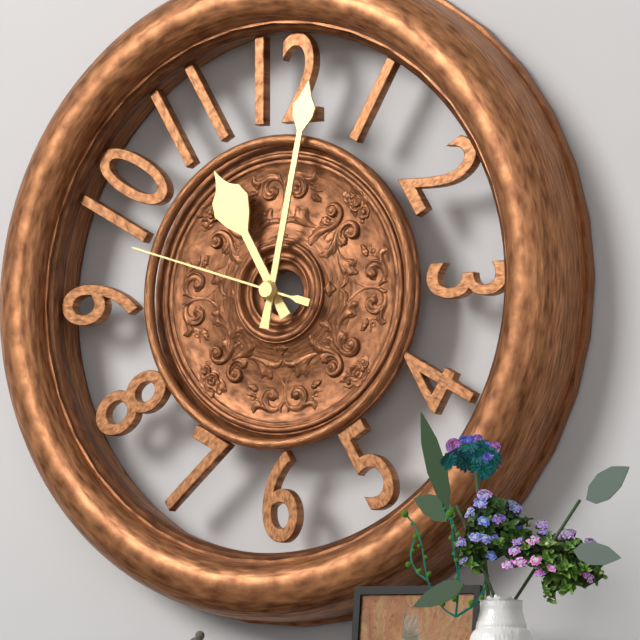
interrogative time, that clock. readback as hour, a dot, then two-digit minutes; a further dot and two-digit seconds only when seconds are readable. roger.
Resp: 11.02.48
